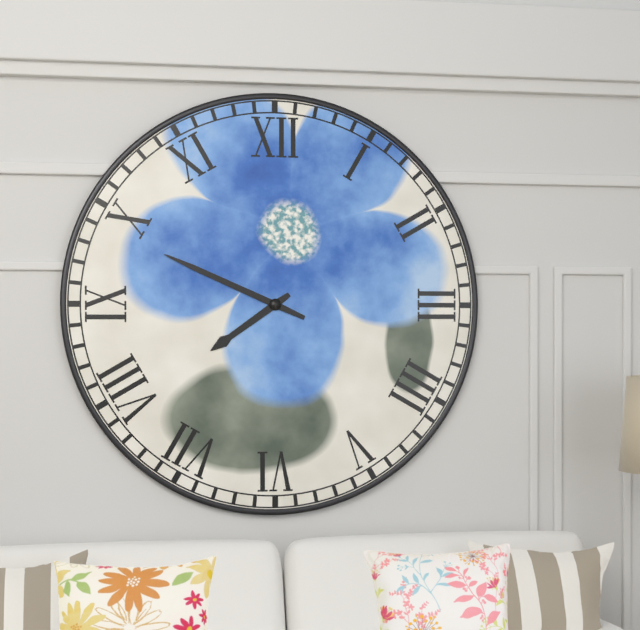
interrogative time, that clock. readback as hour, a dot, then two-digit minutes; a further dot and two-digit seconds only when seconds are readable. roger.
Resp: 7.49
